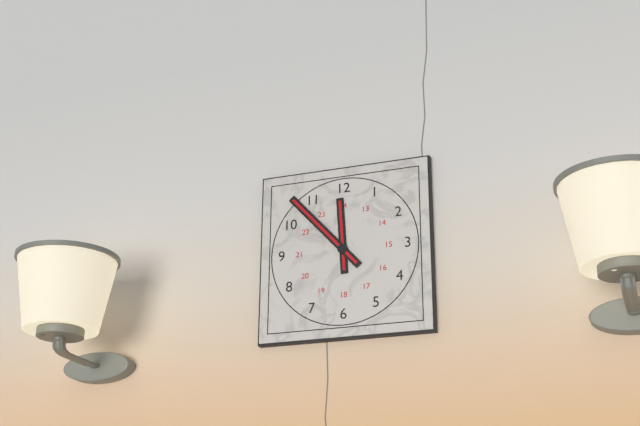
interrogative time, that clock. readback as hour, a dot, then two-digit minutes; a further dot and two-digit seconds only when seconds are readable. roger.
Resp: 11.53
